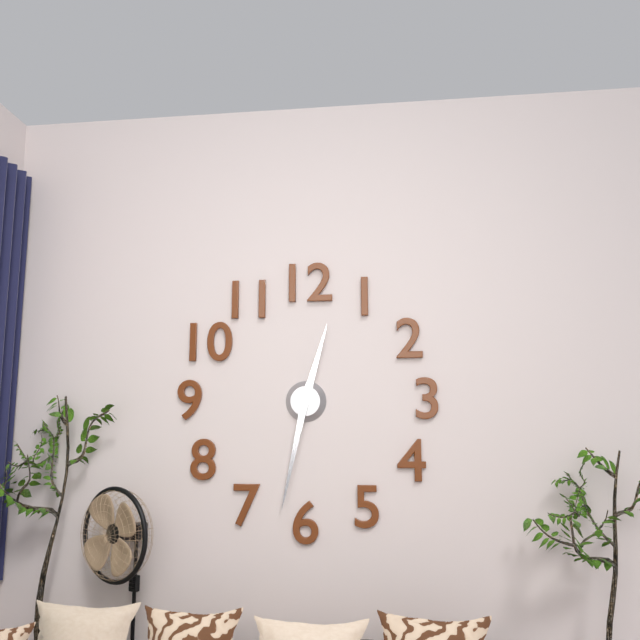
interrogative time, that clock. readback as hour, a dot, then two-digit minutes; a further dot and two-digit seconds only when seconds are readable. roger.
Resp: 12.32
